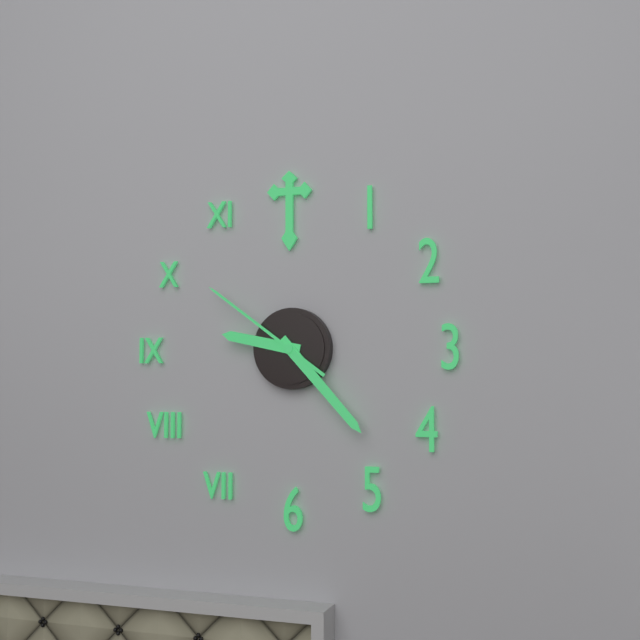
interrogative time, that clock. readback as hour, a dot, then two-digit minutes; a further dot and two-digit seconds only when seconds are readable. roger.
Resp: 9.23.51
